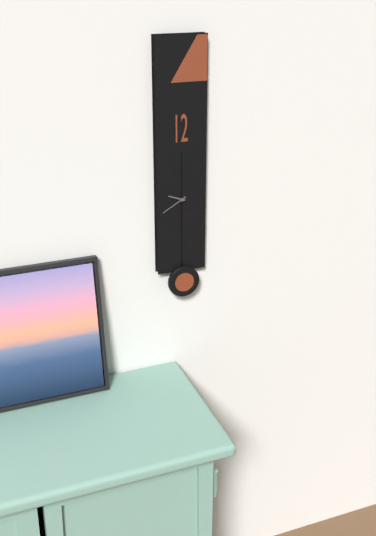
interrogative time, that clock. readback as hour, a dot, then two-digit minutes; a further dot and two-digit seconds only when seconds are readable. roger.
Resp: 9.40
